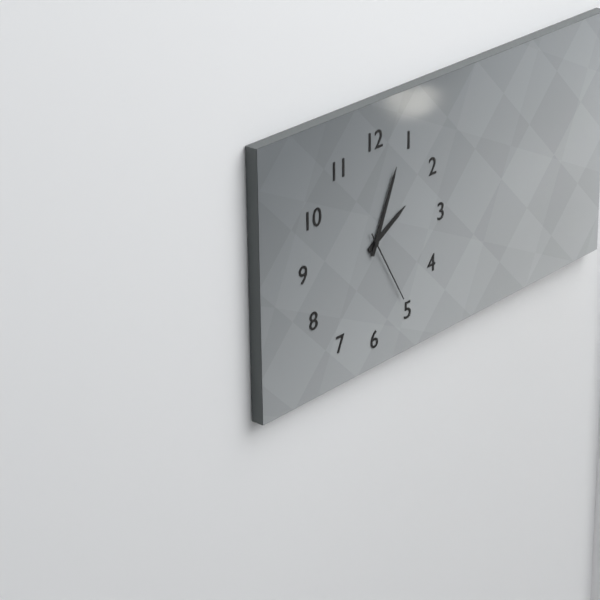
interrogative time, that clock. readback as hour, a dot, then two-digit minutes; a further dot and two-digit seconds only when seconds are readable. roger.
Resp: 2.04.25
